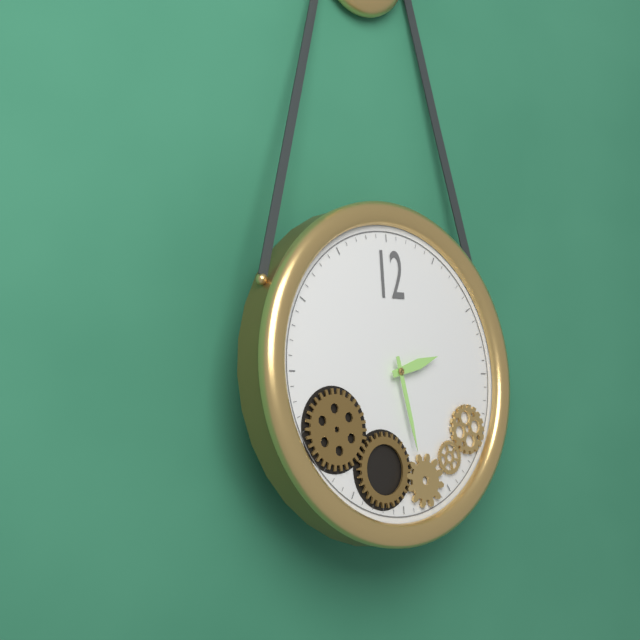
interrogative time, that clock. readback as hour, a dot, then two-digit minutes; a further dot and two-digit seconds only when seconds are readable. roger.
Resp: 2.28
